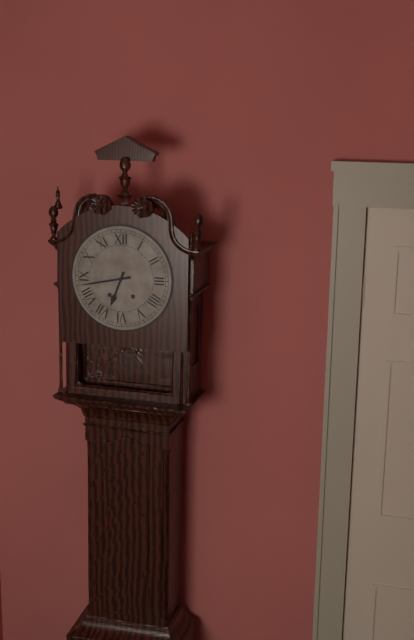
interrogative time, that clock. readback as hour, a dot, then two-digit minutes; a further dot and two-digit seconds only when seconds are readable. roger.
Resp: 6.43
